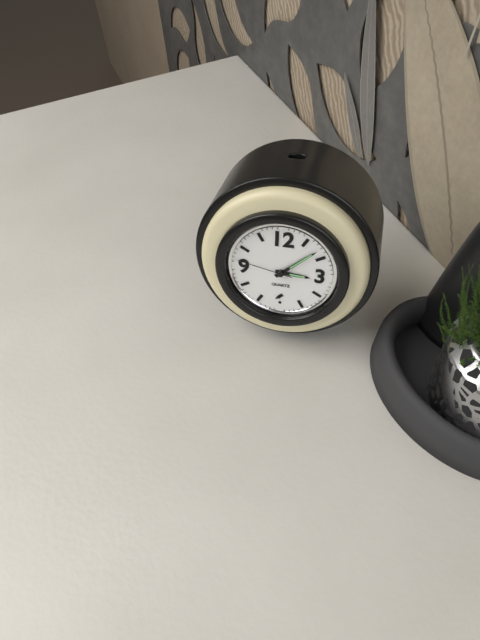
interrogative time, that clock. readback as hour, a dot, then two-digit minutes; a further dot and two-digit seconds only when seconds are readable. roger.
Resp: 3.08.47
